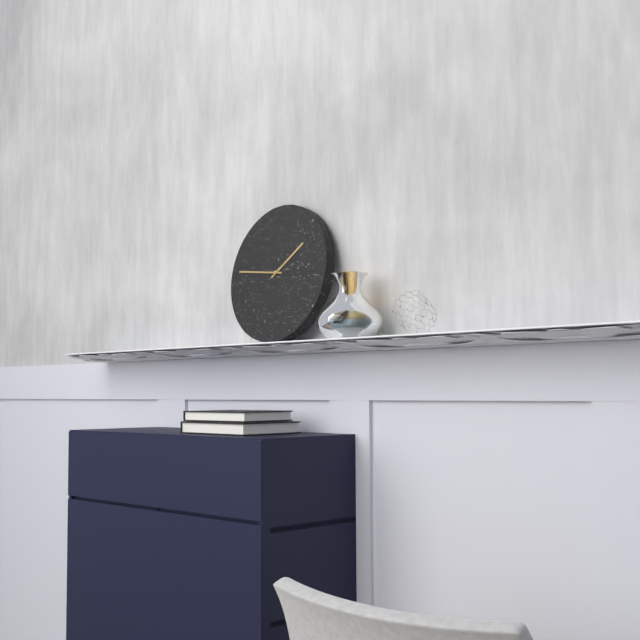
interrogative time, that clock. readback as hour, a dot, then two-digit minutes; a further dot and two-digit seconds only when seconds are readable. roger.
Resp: 1.46
